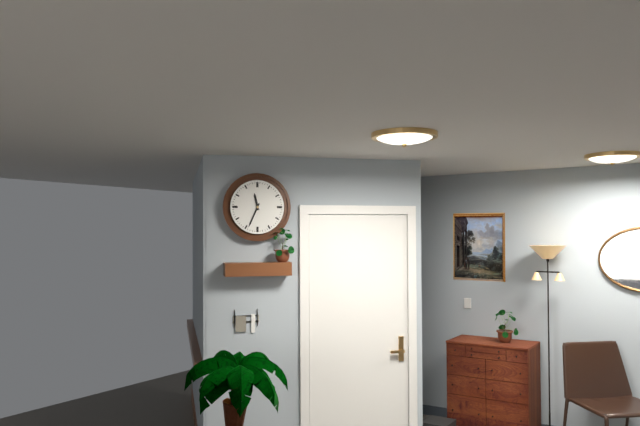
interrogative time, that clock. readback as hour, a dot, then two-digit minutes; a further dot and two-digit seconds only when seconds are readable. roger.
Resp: 11.34
